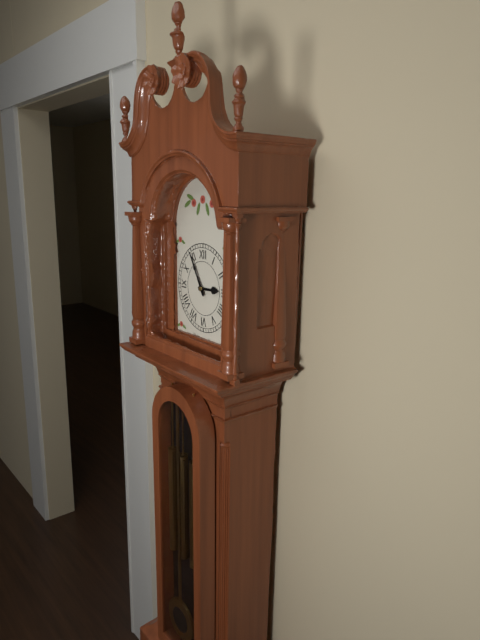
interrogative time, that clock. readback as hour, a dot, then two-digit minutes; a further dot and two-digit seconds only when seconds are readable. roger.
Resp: 2.55
